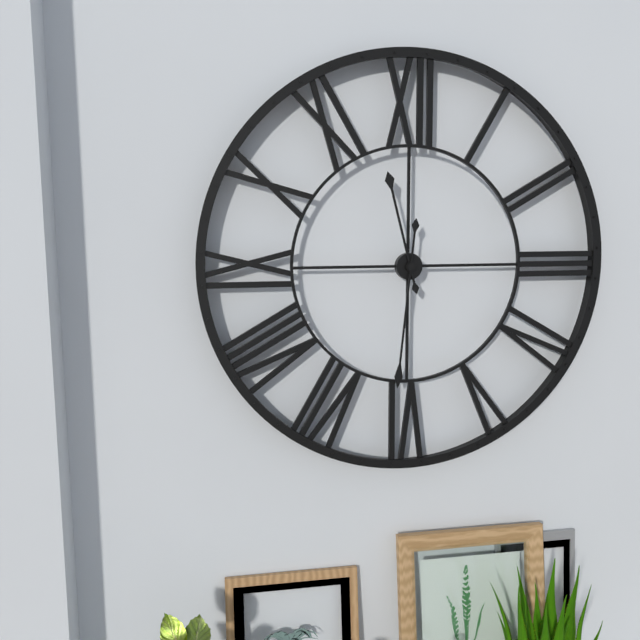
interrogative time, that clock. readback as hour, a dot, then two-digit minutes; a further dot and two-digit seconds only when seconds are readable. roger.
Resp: 11.31
